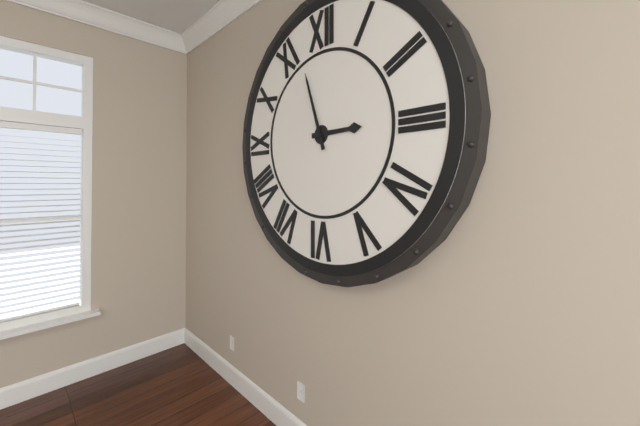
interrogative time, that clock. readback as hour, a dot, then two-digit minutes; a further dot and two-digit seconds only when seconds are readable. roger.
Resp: 2.57
